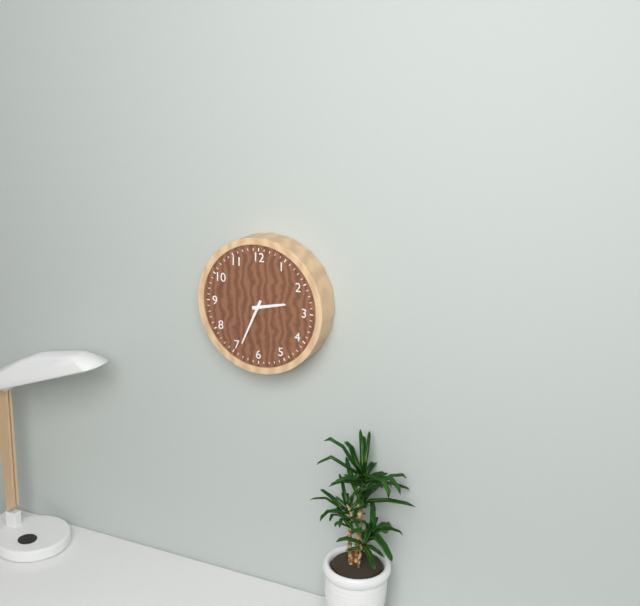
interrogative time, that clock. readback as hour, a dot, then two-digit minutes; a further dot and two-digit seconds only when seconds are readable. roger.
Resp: 2.34
